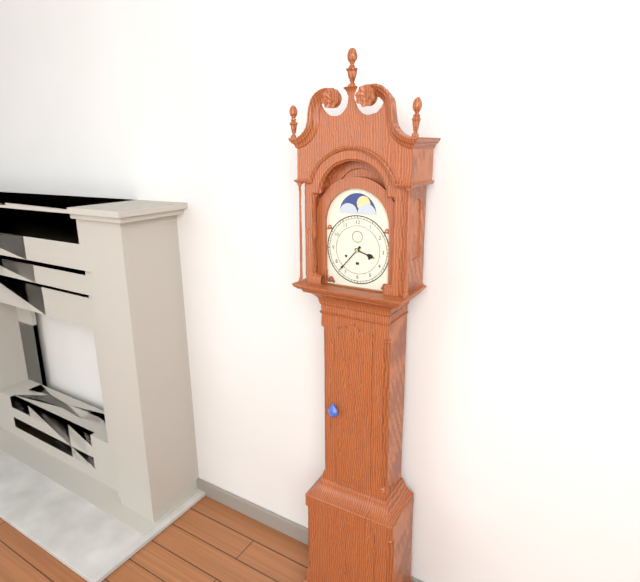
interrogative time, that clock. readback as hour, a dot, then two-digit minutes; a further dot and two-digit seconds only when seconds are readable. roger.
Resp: 3.37
